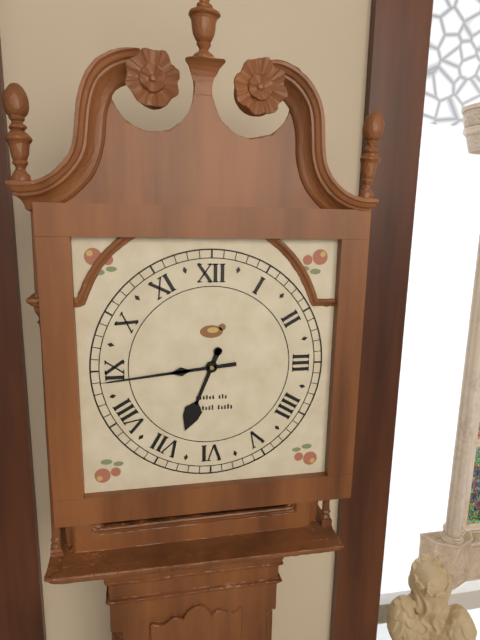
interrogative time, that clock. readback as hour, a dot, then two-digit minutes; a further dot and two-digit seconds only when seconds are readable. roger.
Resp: 6.44
